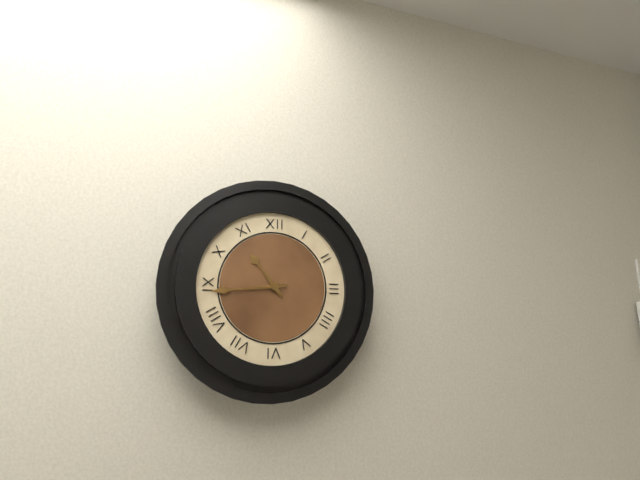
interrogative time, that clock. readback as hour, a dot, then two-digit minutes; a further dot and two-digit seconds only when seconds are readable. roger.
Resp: 10.44
